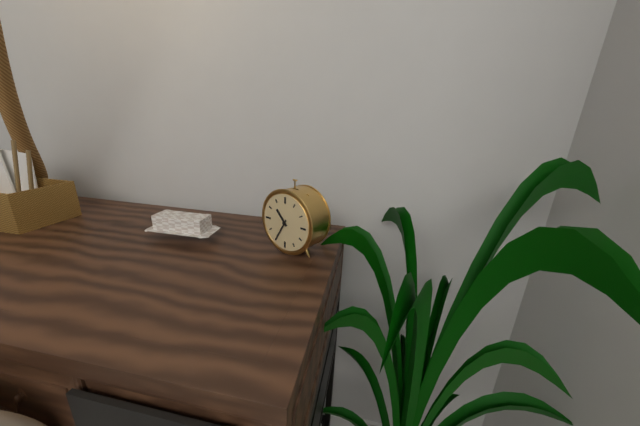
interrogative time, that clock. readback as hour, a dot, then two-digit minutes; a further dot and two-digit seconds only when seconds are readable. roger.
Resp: 10.35
